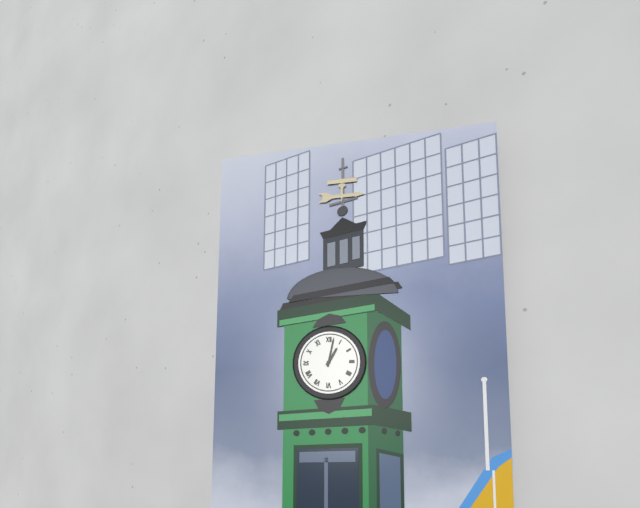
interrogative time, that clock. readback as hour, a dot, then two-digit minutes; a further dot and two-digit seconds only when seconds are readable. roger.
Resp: 1.02
